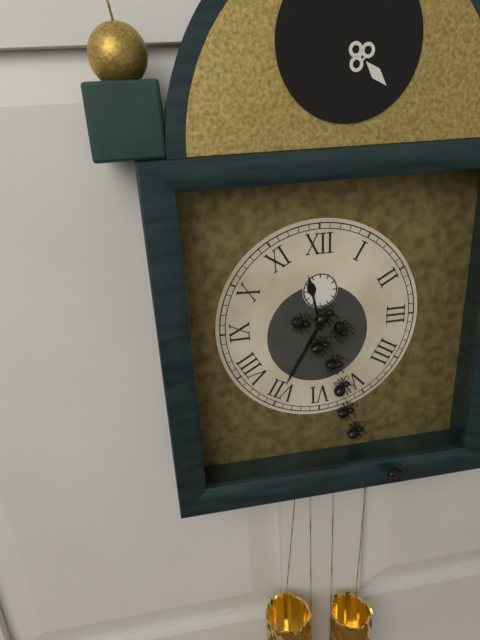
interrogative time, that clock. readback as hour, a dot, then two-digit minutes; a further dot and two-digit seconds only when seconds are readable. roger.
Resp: 11.35
